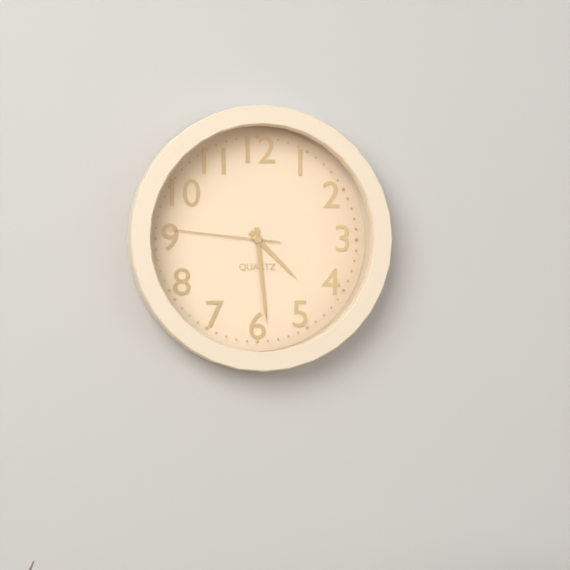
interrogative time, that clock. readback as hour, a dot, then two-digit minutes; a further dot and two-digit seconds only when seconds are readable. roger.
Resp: 4.29.46
